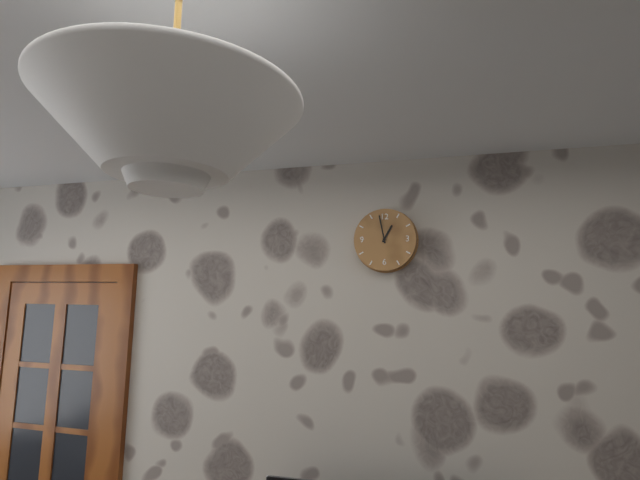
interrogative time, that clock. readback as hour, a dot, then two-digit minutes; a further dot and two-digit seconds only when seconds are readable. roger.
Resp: 12.58
